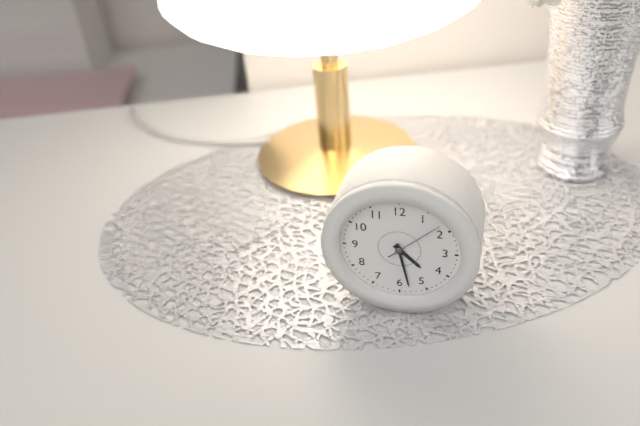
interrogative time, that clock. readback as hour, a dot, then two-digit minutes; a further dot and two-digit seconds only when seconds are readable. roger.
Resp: 4.28.08
